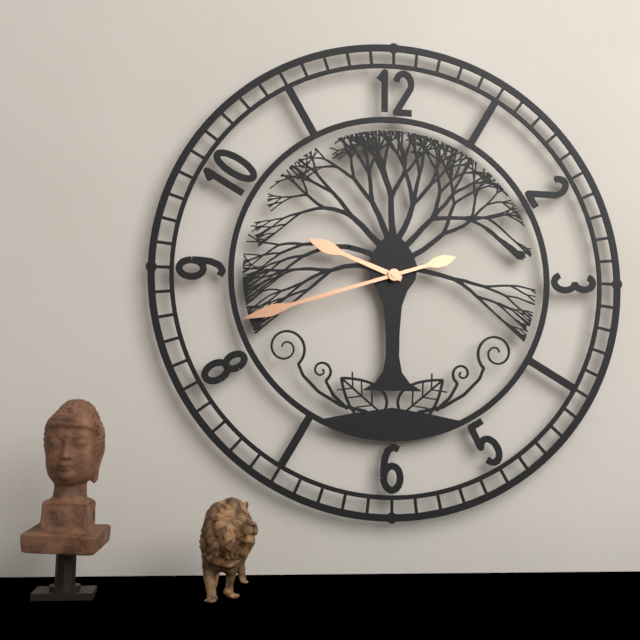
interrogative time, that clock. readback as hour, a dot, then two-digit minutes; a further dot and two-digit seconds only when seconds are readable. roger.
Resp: 9.42
